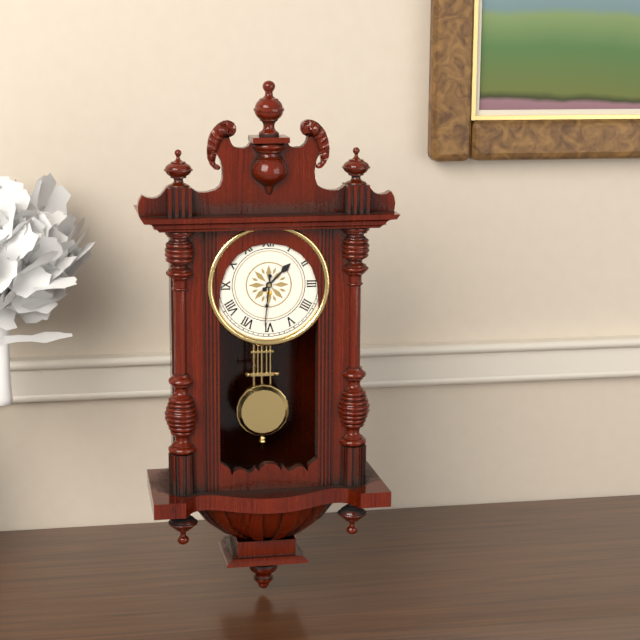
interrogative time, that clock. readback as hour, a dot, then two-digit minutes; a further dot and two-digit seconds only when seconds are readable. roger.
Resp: 1.31
